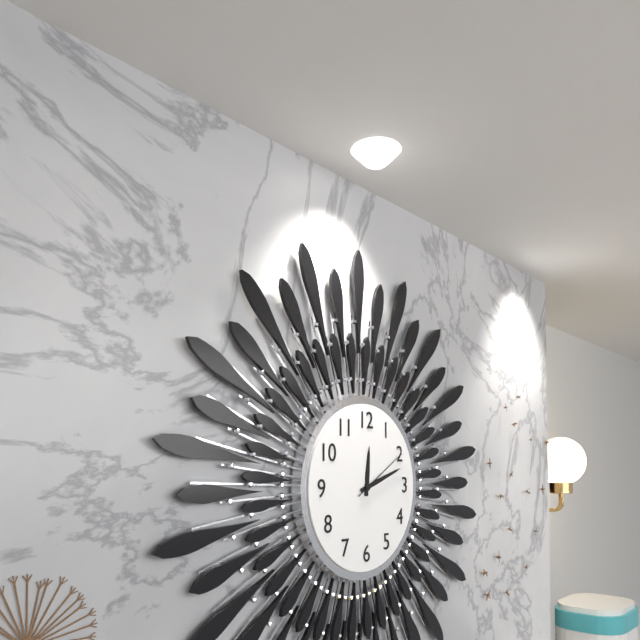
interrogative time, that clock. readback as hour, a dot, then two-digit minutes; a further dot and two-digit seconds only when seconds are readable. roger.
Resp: 12.12.10
